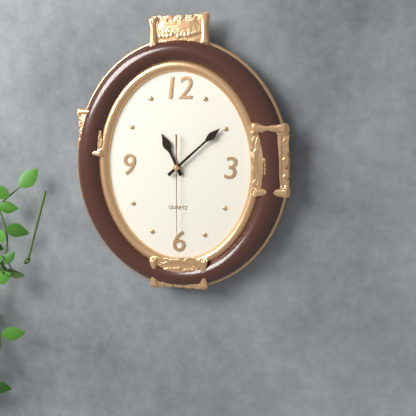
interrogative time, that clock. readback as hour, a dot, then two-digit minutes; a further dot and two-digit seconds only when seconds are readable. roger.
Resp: 11.08.30
